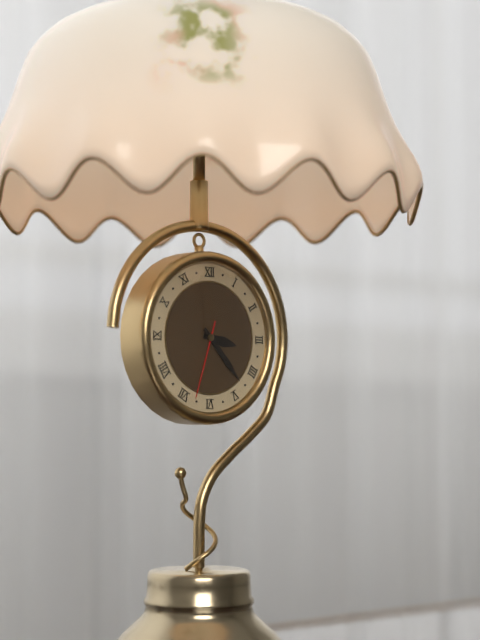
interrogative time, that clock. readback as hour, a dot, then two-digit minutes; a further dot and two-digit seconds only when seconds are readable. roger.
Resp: 3.23.33
